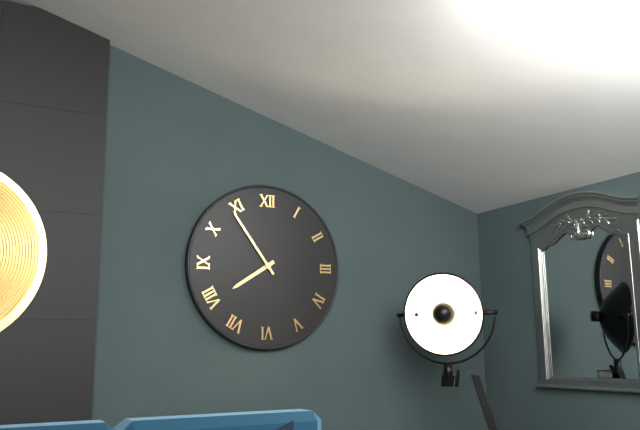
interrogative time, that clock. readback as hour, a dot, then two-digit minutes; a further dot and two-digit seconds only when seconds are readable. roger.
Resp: 7.54
